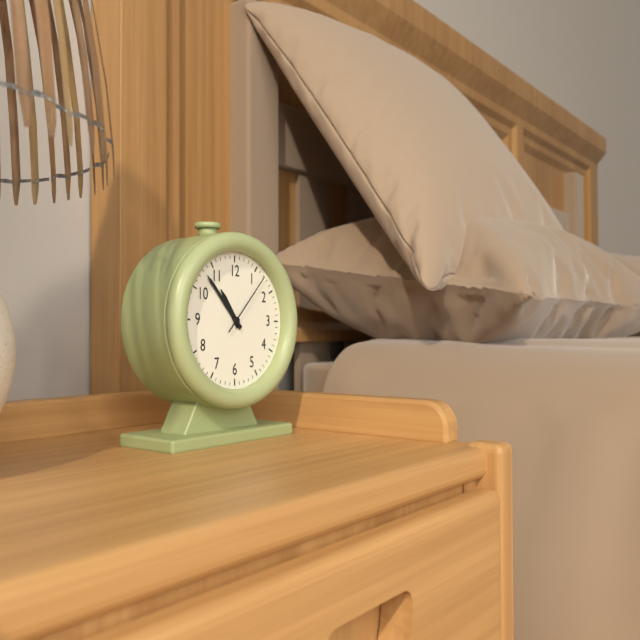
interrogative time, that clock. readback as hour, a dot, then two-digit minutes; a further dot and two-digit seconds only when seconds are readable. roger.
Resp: 10.53.07
